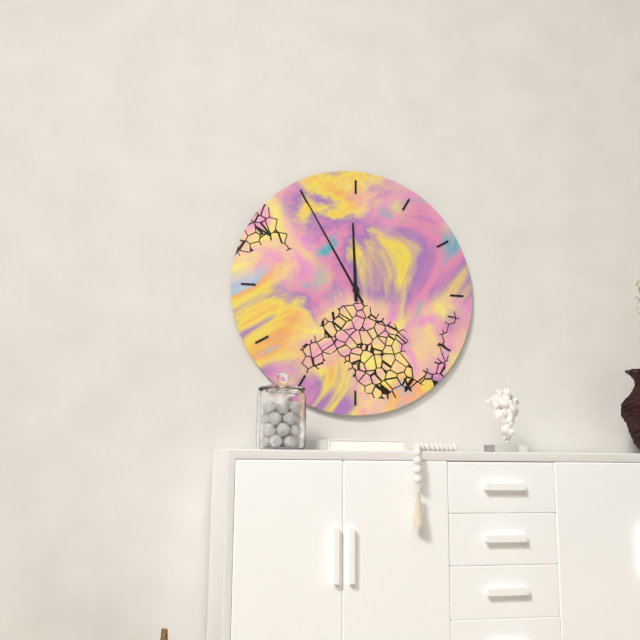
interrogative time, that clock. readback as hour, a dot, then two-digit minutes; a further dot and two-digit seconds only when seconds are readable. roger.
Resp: 11.55
